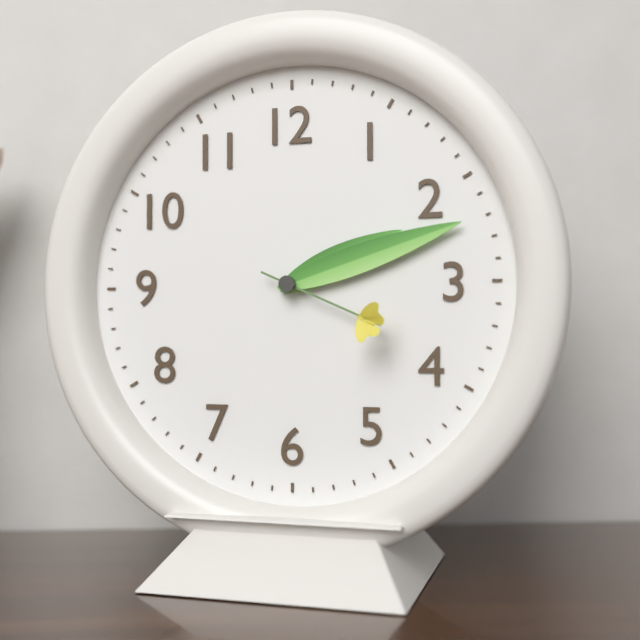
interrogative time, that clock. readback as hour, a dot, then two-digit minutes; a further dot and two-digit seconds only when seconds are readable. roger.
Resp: 2.12.19
